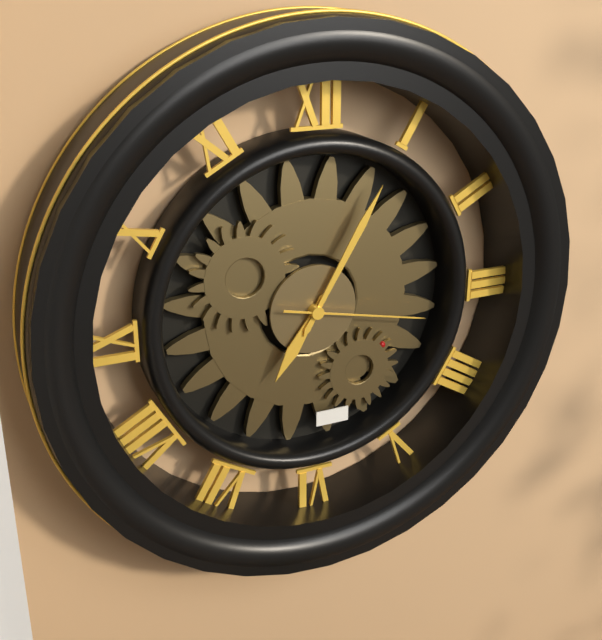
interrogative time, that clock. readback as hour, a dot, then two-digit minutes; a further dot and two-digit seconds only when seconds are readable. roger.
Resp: 7.05.17
